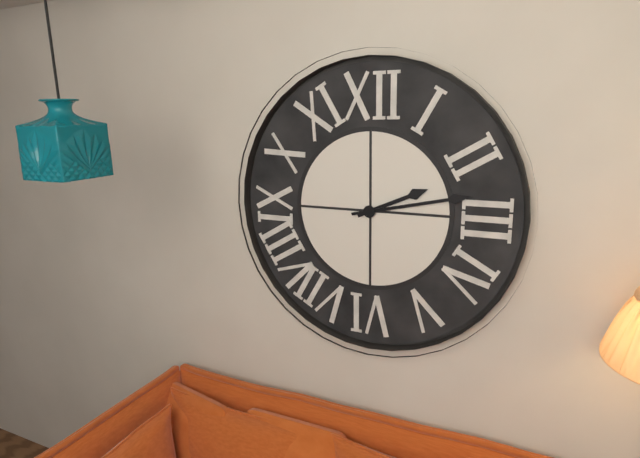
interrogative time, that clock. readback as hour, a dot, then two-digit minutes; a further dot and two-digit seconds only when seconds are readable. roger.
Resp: 2.13
